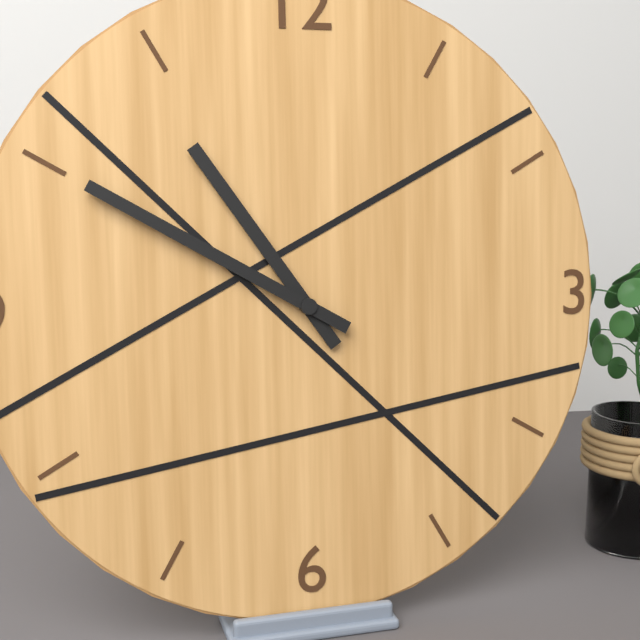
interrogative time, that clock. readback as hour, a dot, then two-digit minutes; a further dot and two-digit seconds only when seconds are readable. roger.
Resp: 10.50
